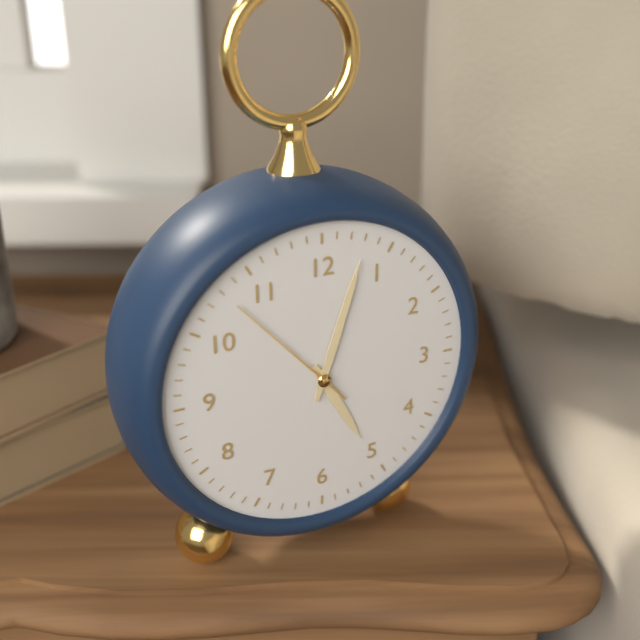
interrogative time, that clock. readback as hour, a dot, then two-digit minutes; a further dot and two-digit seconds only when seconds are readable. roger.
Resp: 5.03.53
